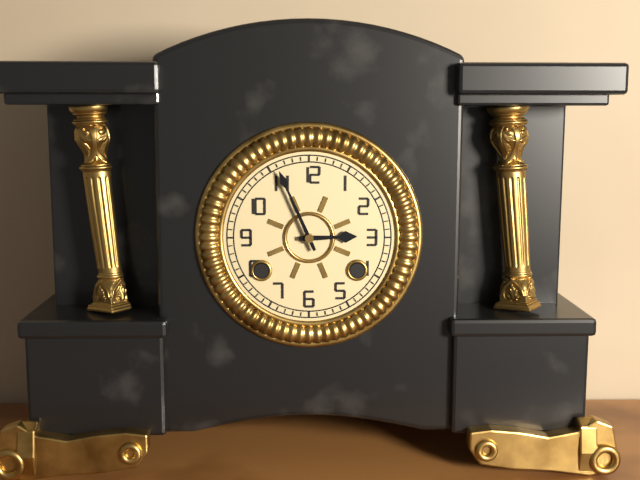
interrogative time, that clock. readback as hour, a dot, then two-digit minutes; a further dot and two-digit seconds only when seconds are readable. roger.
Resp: 2.56
